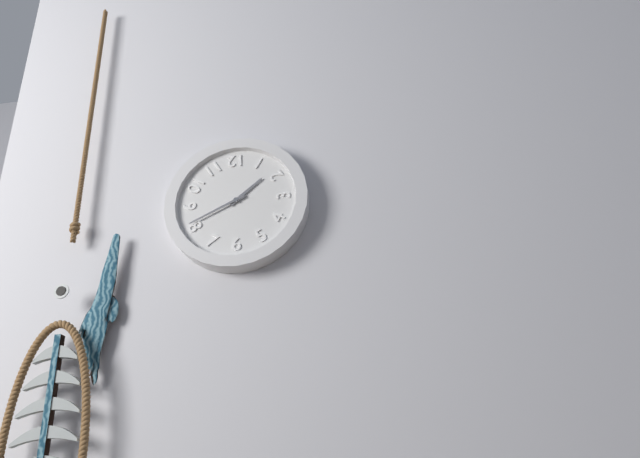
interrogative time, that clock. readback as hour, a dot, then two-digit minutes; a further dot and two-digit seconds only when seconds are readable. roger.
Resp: 1.41
